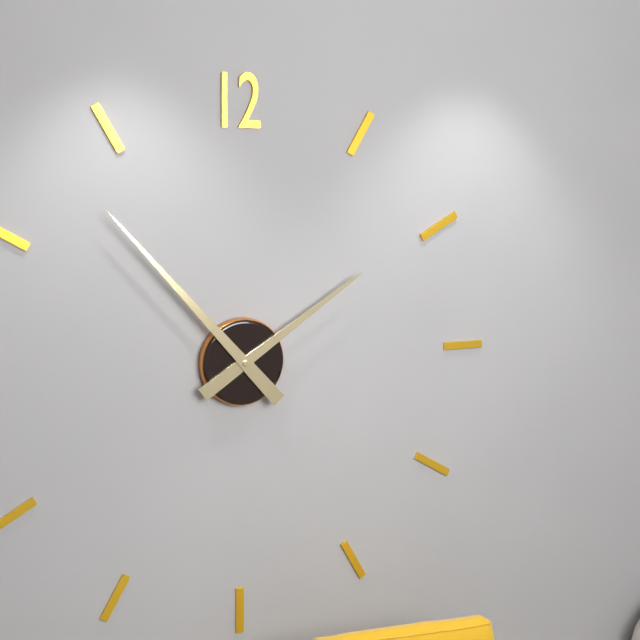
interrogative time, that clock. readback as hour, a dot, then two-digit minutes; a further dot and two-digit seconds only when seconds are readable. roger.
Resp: 1.53
